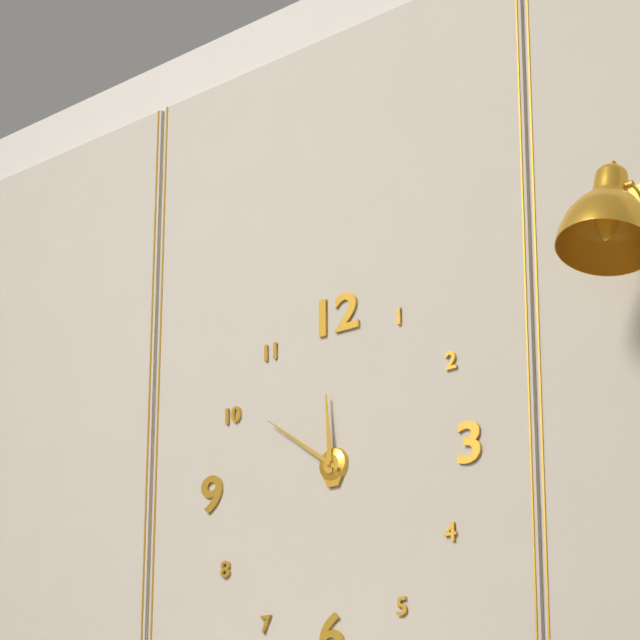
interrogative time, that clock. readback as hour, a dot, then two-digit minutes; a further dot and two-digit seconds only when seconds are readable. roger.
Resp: 11.51
